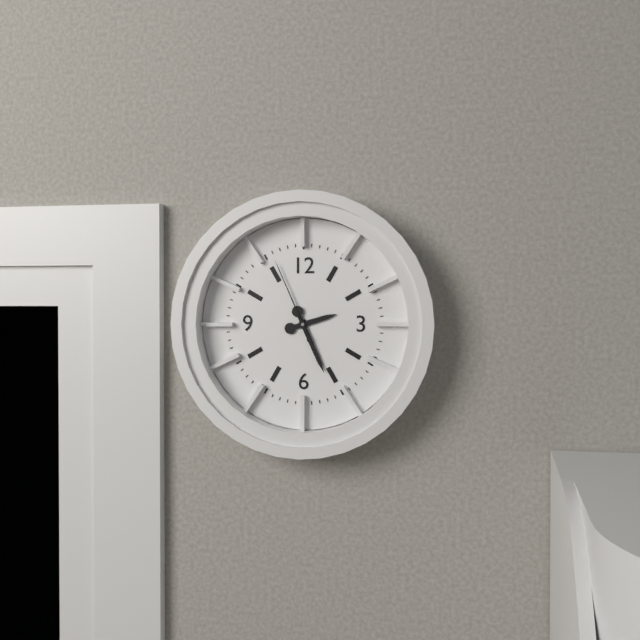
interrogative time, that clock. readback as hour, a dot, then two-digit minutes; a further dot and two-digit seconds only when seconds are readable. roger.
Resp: 2.26.56
